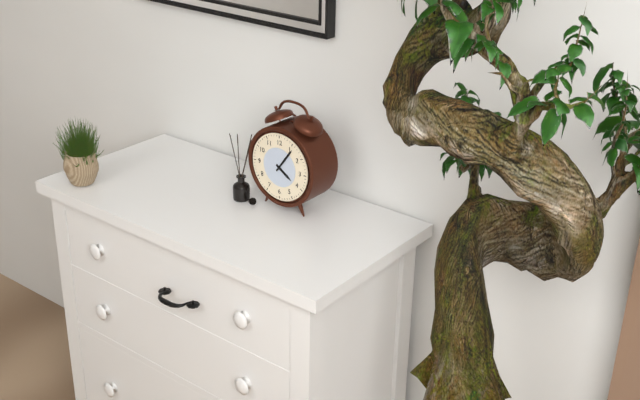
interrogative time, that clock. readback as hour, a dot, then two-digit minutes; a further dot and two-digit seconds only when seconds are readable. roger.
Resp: 4.06
